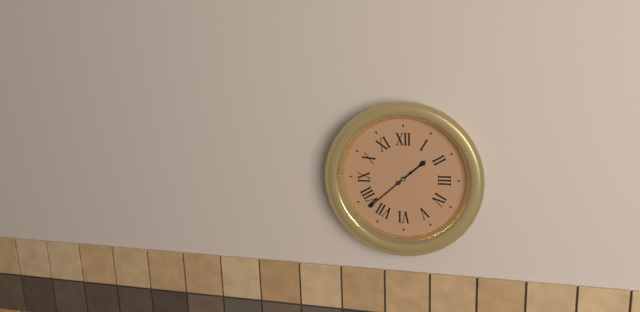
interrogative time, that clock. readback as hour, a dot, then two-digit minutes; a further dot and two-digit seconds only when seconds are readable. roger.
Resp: 1.38
